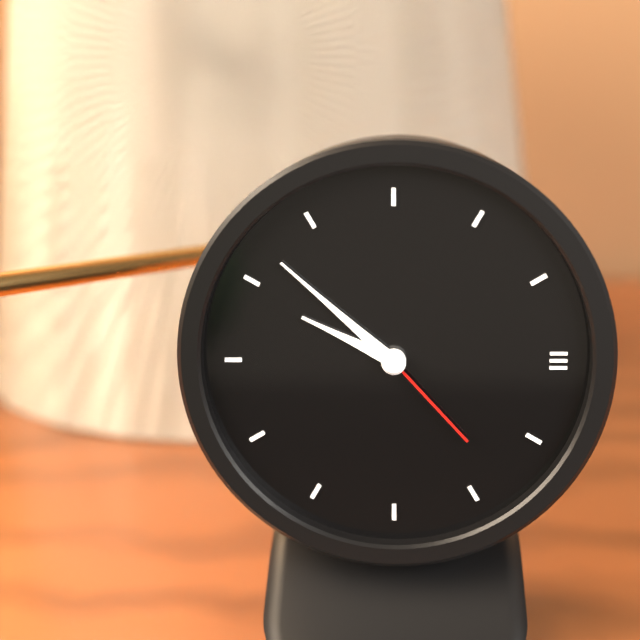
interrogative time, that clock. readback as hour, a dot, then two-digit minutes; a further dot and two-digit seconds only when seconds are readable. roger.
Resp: 9.52.23
